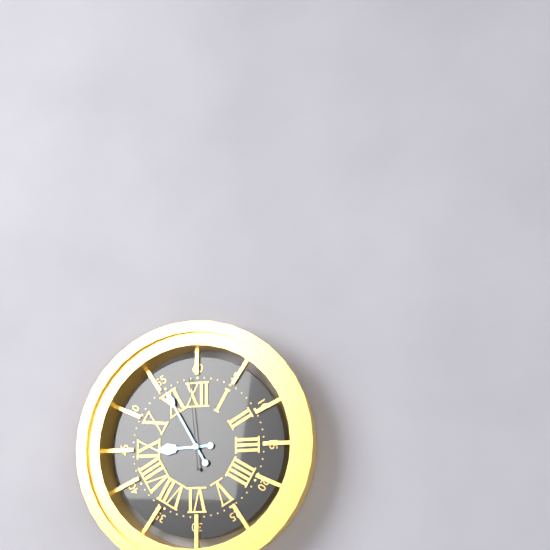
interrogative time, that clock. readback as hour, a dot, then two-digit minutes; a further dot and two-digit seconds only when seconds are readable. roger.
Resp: 8.55.59
